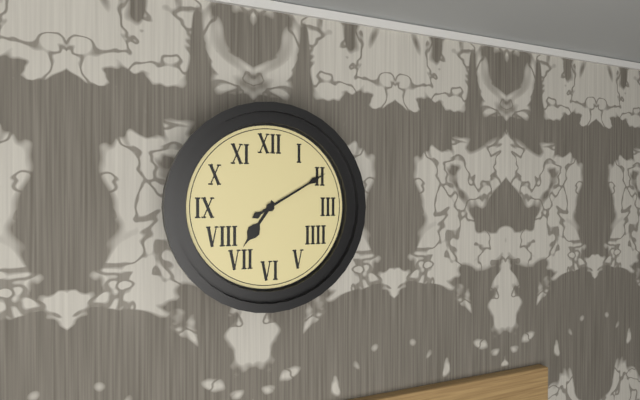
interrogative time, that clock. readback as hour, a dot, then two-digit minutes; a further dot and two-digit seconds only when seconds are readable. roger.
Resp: 7.10
